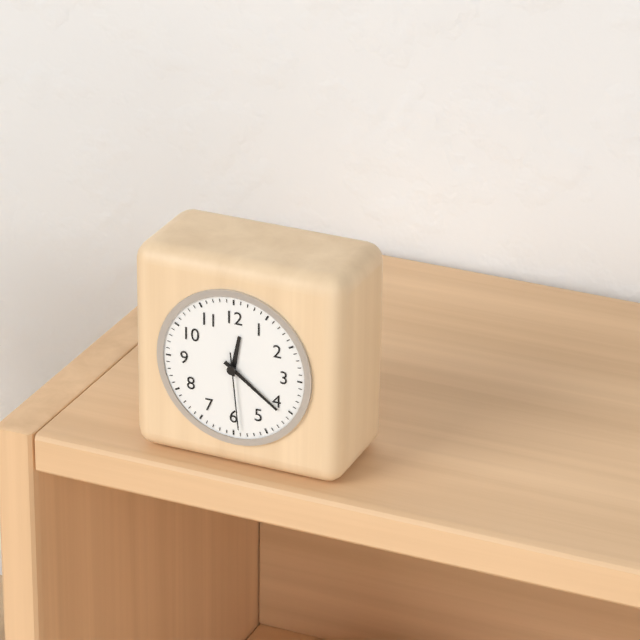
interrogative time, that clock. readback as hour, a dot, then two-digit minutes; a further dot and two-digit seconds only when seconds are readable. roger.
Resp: 12.21.29
